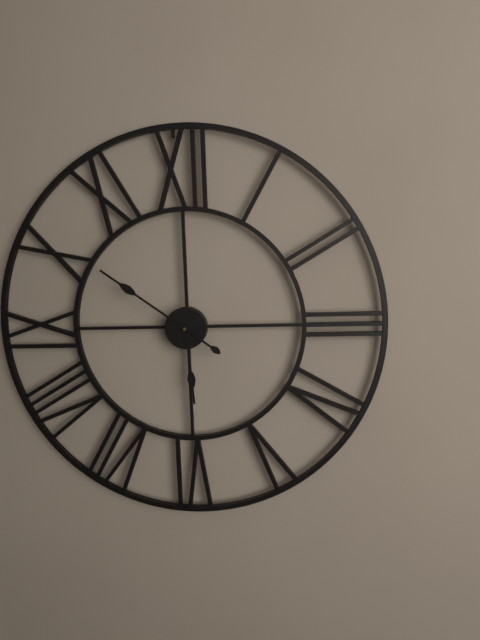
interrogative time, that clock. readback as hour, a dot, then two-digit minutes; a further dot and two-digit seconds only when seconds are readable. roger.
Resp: 5.51
